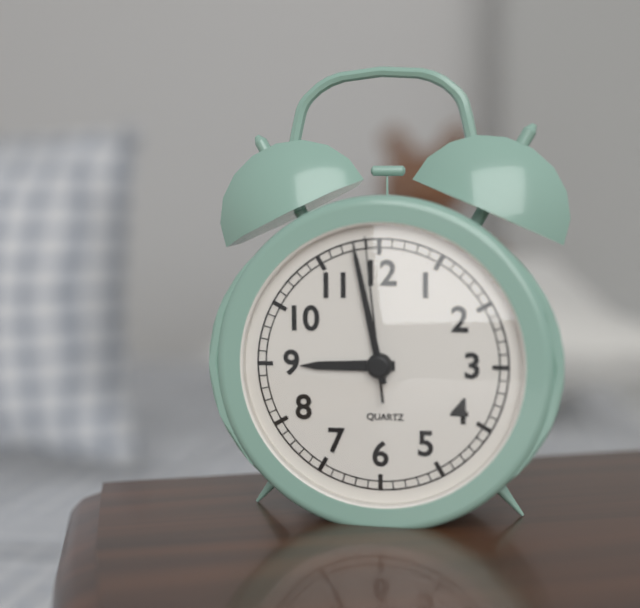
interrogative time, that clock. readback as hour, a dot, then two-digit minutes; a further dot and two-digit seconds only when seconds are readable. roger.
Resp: 8.58.59
